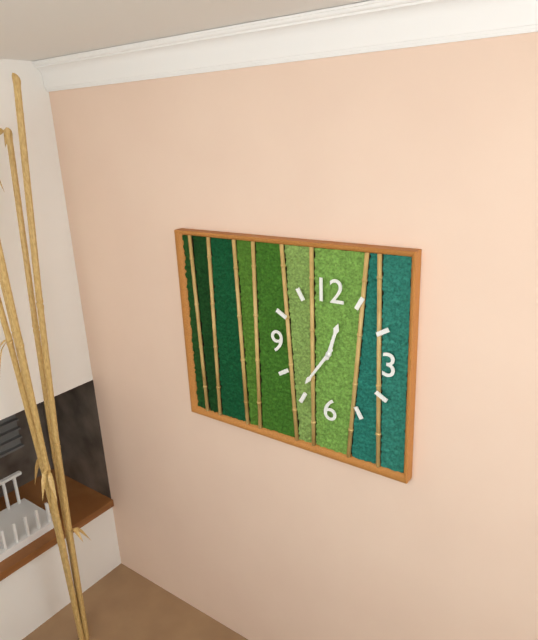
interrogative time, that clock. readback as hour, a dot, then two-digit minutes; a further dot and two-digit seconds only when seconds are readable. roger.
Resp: 12.36
